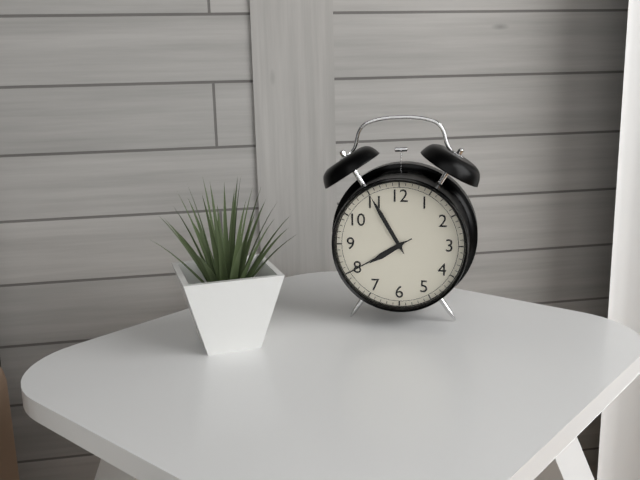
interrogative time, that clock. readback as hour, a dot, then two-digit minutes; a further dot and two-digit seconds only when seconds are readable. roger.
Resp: 7.55.40
